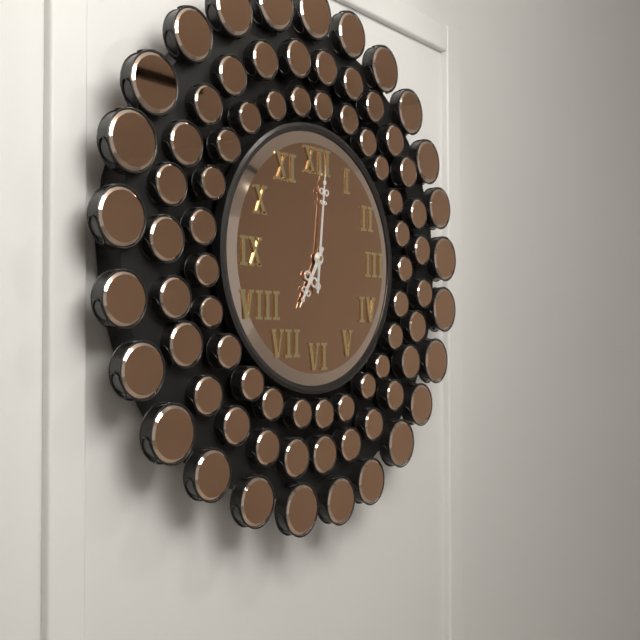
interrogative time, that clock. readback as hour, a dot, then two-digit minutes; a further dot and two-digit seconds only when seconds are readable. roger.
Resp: 7.01
